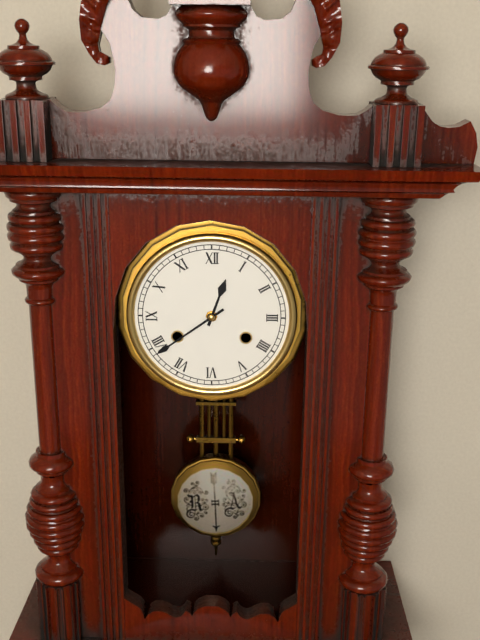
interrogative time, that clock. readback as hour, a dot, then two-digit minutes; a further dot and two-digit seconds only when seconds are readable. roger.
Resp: 12.39
